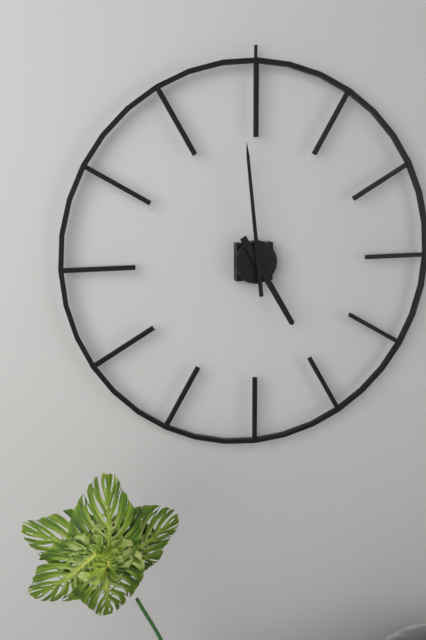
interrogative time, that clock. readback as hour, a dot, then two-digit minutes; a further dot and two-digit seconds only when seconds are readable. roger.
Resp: 4.59
